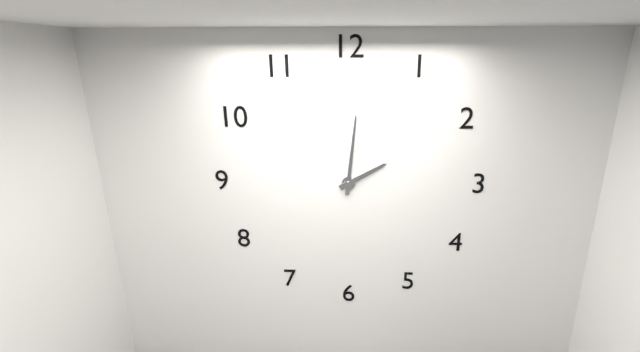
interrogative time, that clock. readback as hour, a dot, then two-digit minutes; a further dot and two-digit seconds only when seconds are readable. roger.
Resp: 2.01
